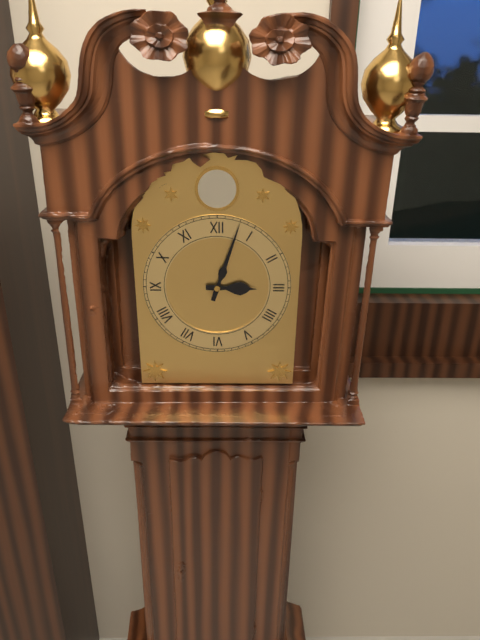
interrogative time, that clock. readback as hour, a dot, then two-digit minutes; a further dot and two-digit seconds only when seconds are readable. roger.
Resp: 3.03
